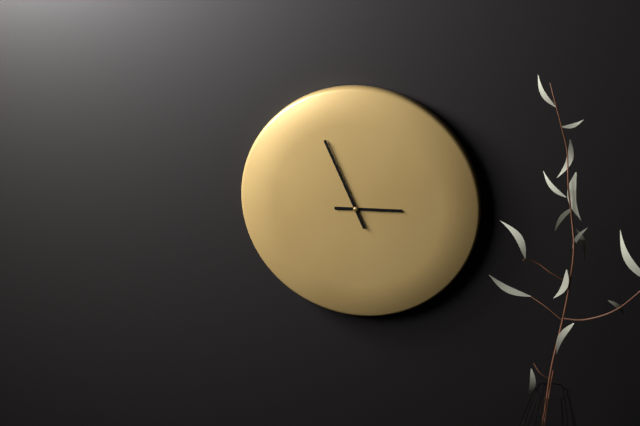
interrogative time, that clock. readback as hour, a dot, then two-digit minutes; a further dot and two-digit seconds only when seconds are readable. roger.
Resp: 2.56
